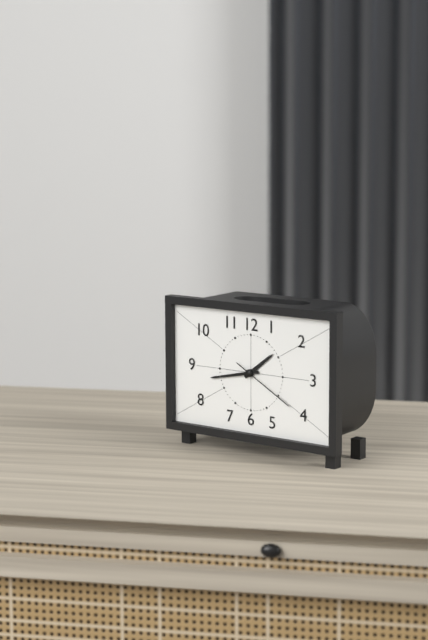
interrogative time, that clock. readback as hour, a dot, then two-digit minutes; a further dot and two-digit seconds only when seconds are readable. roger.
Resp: 1.43.20
